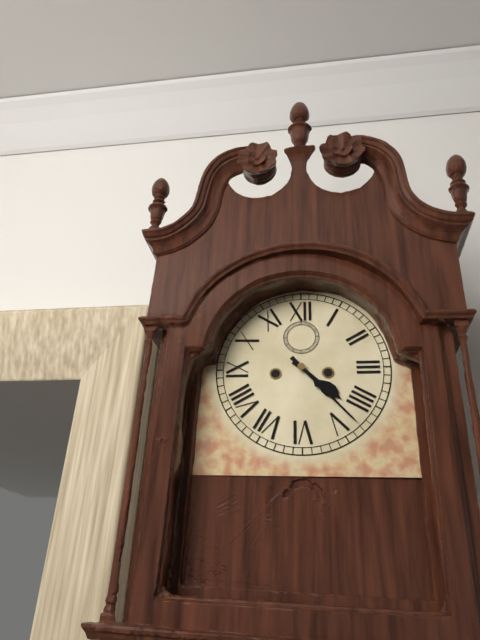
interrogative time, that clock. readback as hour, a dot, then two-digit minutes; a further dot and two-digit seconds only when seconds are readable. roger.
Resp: 4.23
